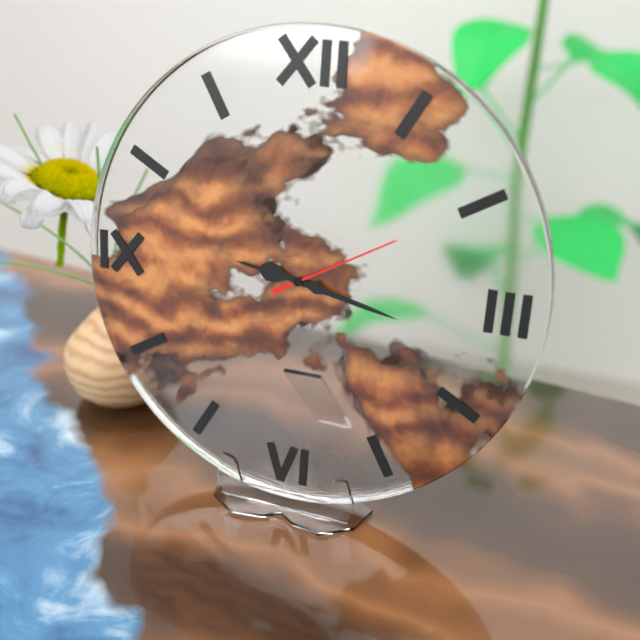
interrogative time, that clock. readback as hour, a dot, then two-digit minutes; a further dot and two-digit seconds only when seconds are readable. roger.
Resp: 9.17.10
